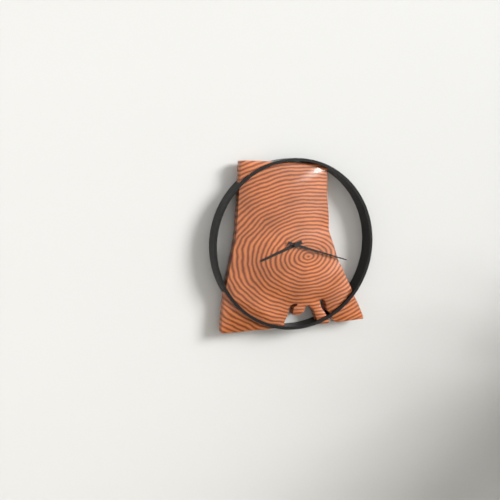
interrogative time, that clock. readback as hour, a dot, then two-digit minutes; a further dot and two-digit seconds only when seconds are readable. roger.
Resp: 8.18
